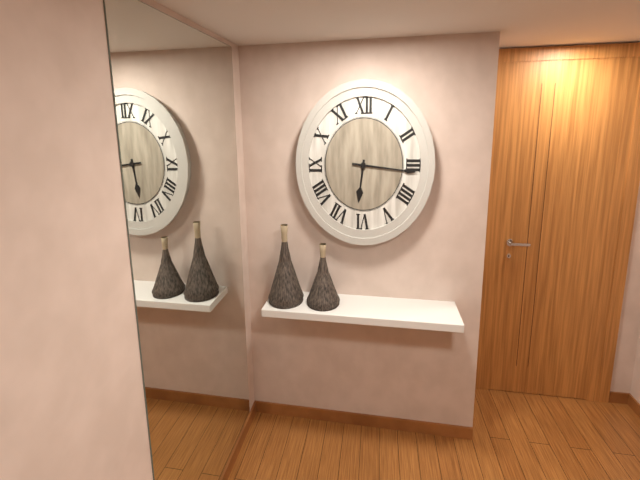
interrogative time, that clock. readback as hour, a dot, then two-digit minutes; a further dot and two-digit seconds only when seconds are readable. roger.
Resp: 6.16
